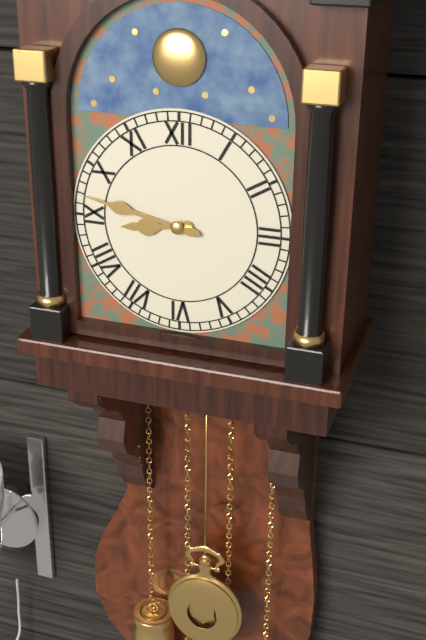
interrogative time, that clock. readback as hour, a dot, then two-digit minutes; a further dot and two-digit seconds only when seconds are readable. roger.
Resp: 8.47
